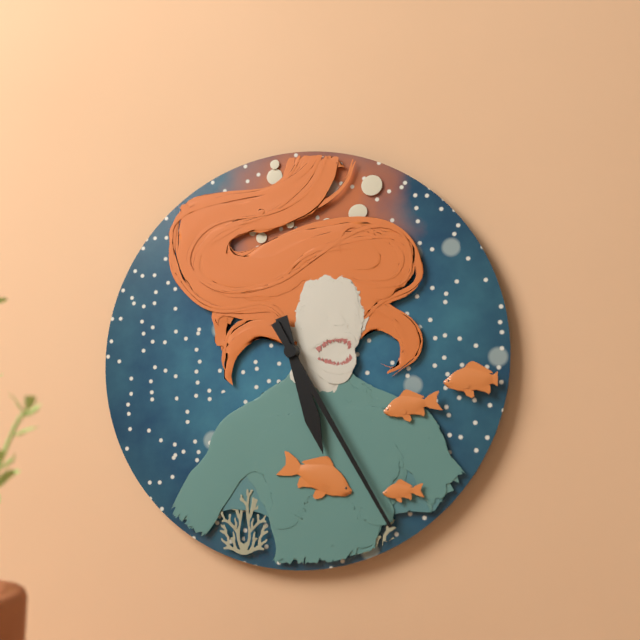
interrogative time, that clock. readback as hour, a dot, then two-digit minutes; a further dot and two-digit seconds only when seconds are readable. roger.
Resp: 5.25
